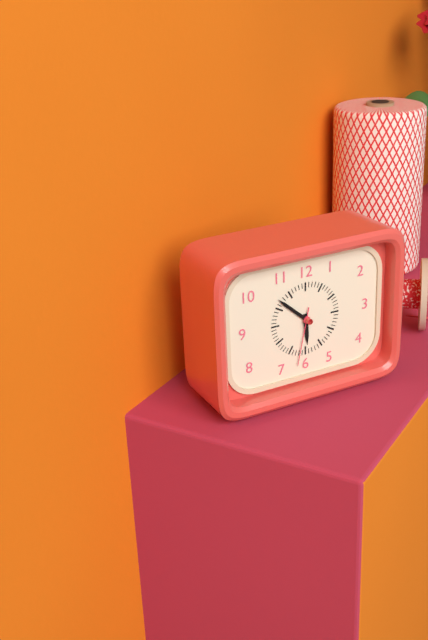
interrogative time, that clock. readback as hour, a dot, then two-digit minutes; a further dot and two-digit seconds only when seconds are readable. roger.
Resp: 5.52.32
